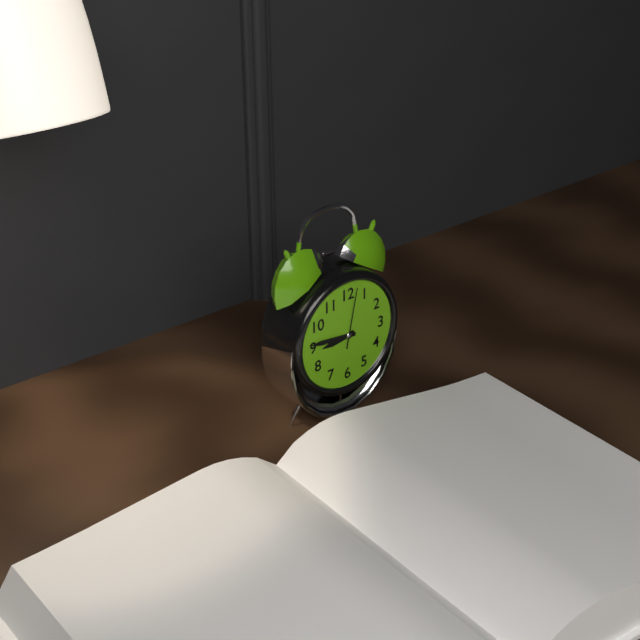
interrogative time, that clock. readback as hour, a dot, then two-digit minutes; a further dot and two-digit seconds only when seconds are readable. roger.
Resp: 8.46.02
